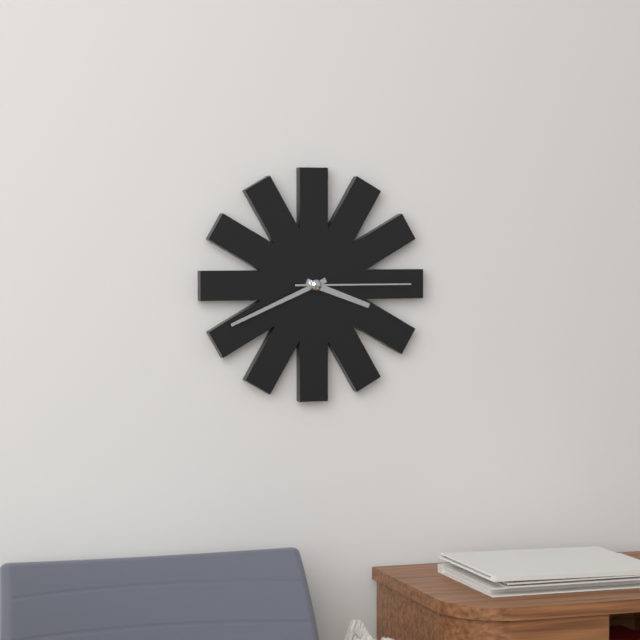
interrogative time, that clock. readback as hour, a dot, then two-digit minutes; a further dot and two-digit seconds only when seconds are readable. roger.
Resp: 3.41.15
